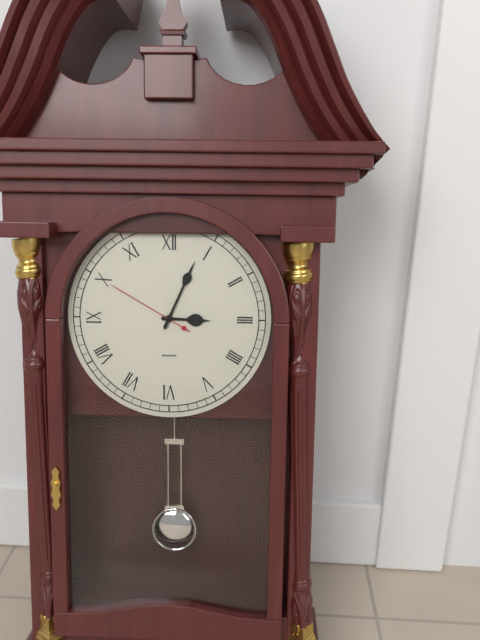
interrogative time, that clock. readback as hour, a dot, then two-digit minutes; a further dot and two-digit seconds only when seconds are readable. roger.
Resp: 3.04.50
